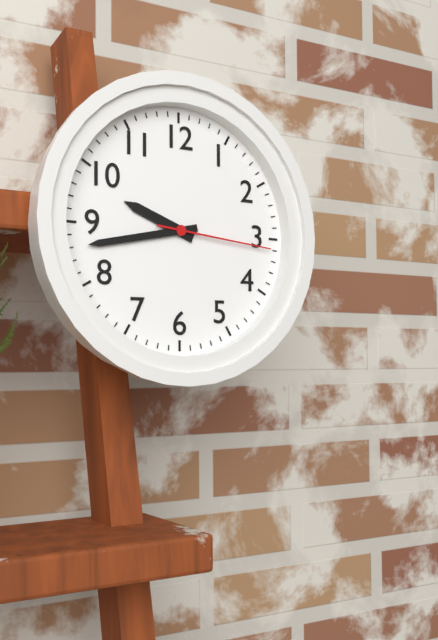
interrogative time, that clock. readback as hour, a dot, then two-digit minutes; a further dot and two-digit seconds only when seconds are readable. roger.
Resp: 9.43.16
